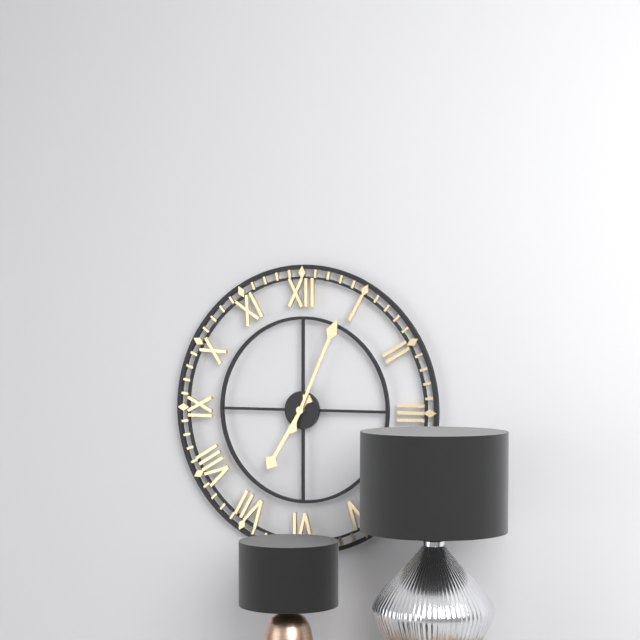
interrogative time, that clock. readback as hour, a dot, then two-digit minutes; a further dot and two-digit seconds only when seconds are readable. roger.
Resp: 7.04
